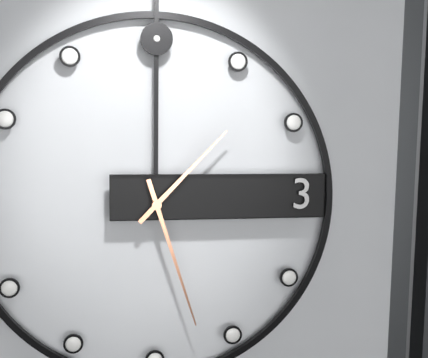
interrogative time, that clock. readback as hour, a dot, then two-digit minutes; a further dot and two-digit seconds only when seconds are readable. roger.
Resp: 1.27
